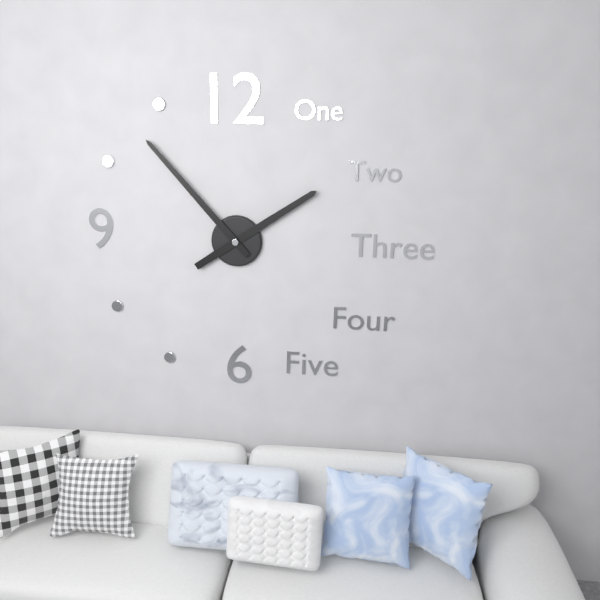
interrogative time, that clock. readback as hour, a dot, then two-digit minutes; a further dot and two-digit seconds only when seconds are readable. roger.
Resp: 1.53
